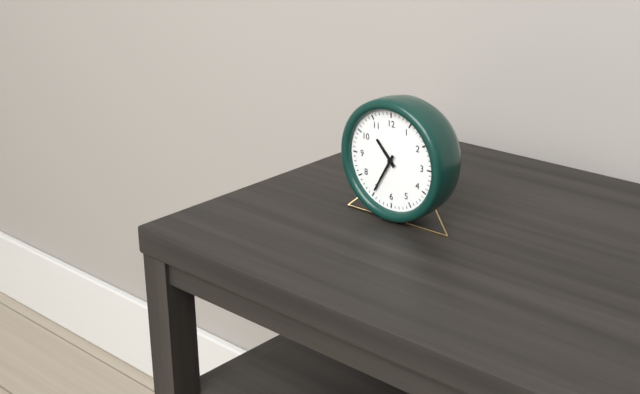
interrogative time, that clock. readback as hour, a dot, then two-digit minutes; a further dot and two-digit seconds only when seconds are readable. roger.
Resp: 10.35
